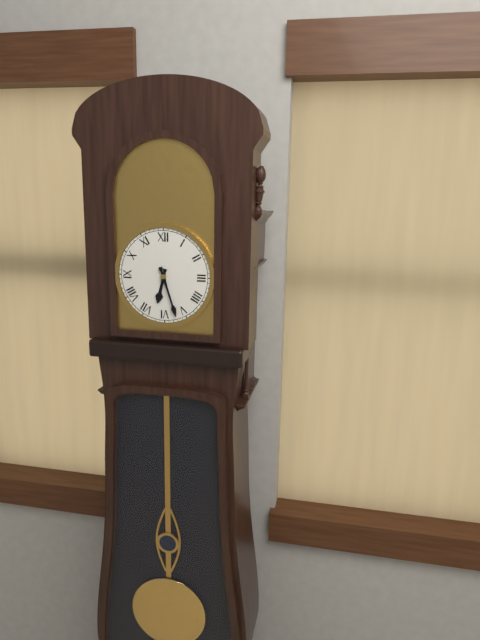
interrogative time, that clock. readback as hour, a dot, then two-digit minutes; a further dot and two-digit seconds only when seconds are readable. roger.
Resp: 6.27
